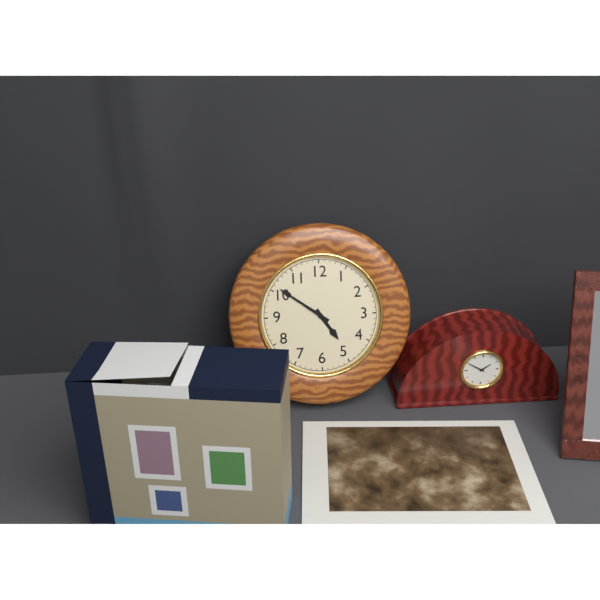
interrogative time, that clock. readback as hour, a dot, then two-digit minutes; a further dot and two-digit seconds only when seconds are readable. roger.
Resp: 4.51
